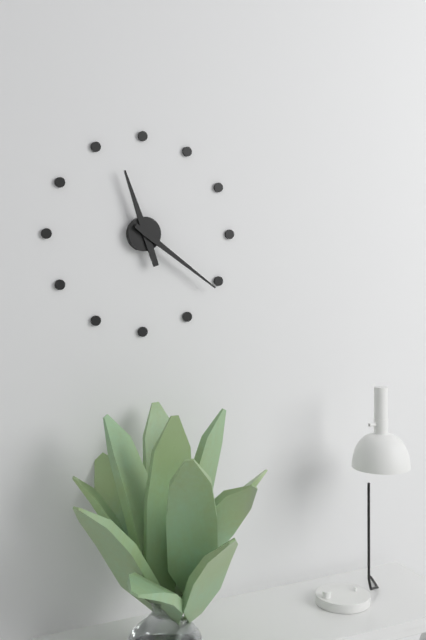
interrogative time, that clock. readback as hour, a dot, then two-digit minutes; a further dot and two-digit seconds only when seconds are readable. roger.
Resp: 11.21
